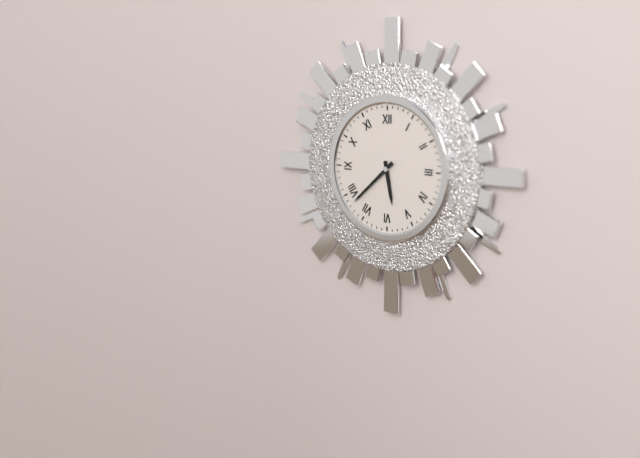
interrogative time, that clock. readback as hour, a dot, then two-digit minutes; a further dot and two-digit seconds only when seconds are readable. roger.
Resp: 5.38
